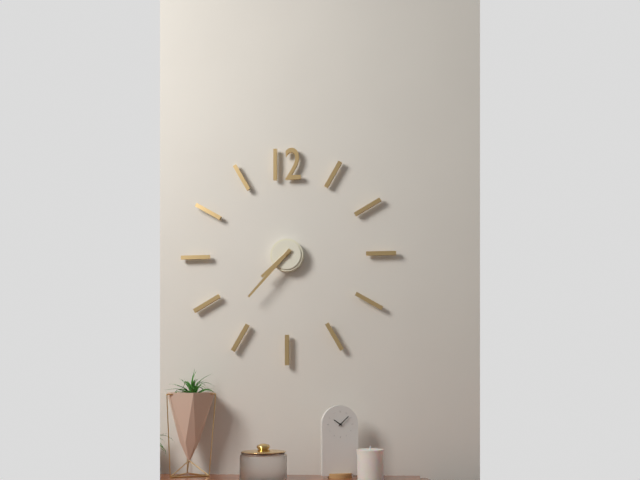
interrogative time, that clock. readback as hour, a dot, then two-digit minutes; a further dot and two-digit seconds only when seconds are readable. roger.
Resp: 7.37
